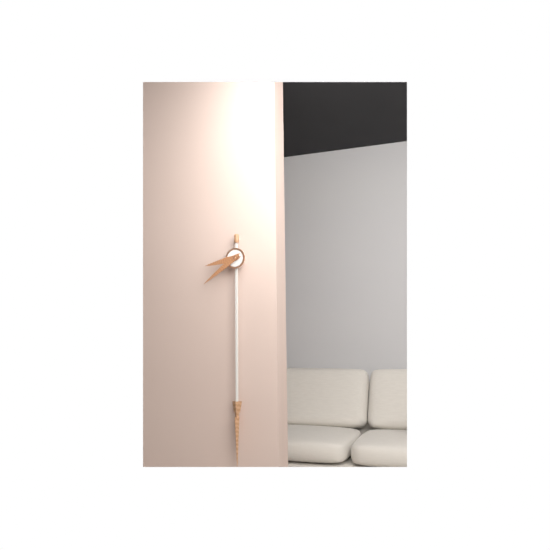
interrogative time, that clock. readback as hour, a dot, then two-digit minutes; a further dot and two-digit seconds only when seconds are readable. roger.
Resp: 8.39
